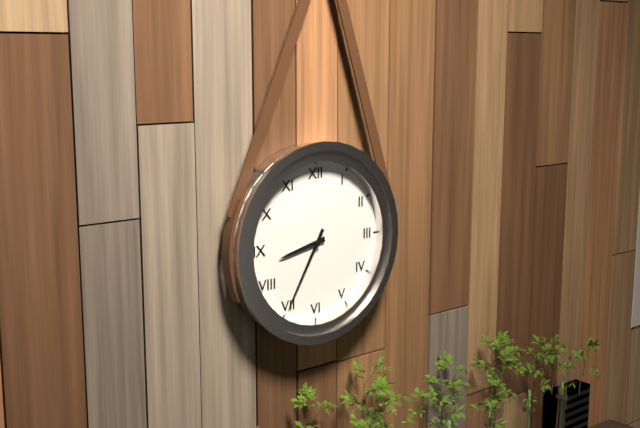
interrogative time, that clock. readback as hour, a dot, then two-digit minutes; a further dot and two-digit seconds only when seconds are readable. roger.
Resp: 8.35
